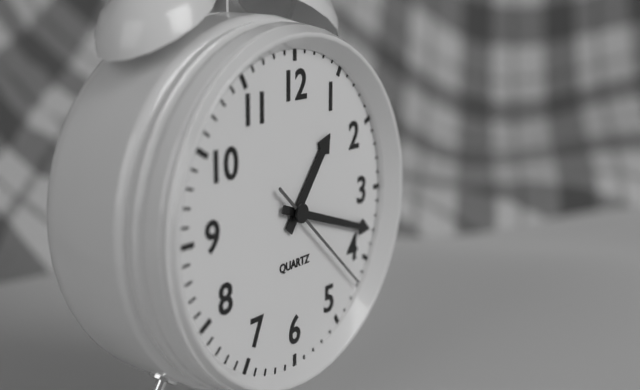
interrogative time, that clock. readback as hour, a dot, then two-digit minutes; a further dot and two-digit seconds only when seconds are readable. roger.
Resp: 1.18.22
